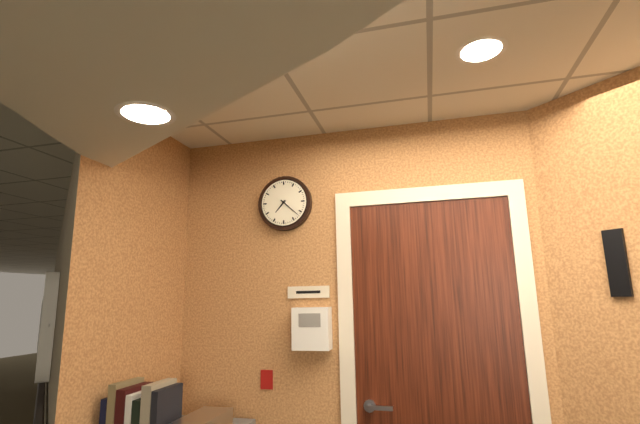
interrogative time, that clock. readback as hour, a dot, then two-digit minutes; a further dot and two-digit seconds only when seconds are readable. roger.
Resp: 7.22
